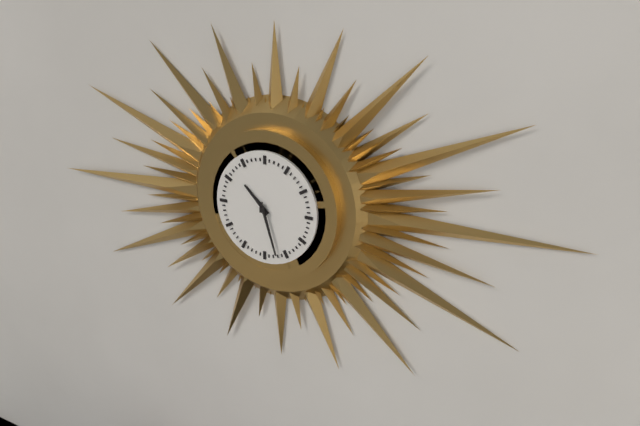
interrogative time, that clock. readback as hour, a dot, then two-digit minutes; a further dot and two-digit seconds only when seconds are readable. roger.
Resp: 10.27
